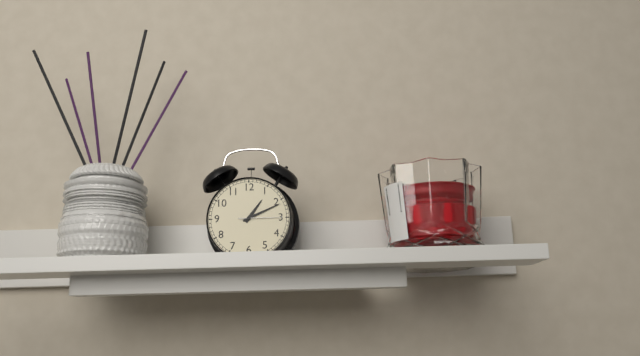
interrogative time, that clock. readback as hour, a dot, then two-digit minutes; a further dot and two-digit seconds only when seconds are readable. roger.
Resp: 1.11
